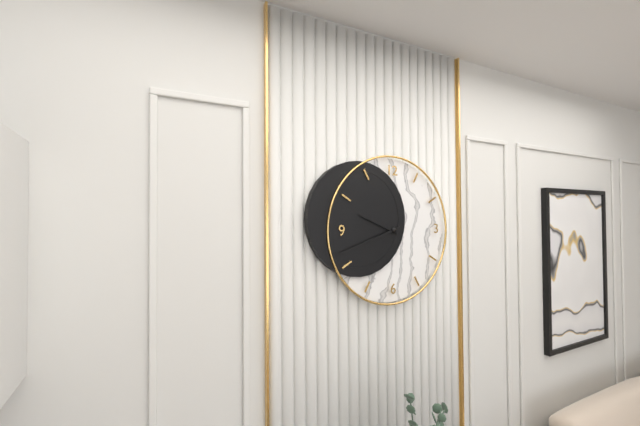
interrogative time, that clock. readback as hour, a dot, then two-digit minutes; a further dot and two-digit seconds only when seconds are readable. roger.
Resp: 9.42
